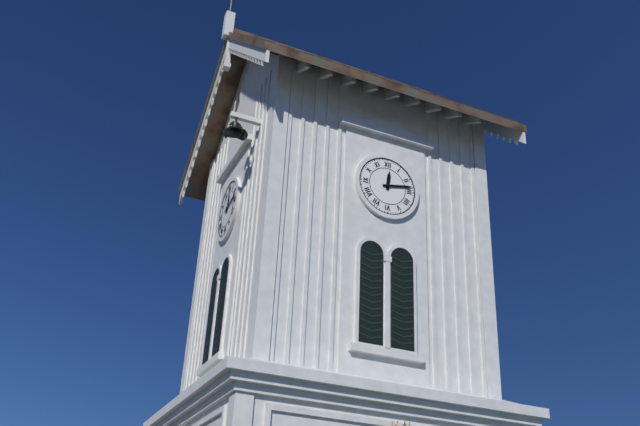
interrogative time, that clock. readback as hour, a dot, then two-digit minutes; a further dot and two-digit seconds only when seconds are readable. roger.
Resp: 12.13
